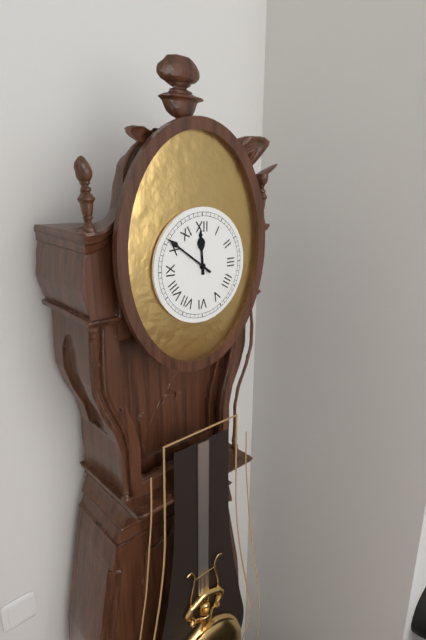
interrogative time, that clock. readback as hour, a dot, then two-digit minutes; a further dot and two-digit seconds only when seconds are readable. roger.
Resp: 11.51
